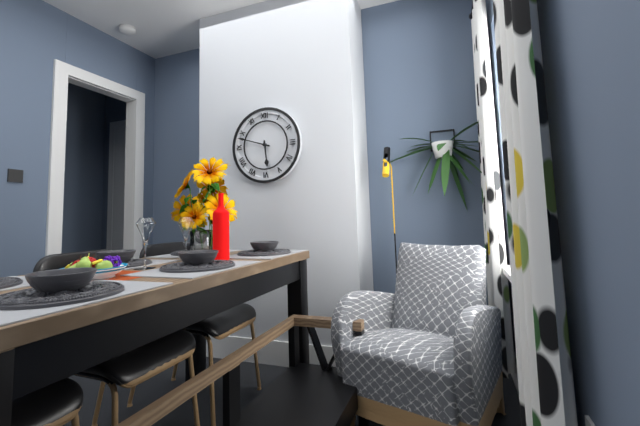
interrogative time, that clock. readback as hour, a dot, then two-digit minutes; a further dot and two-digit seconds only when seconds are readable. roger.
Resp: 5.48
